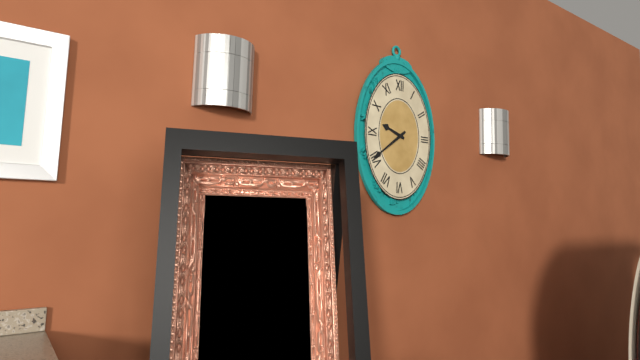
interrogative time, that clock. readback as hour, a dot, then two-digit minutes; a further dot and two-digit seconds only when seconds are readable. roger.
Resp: 9.39
